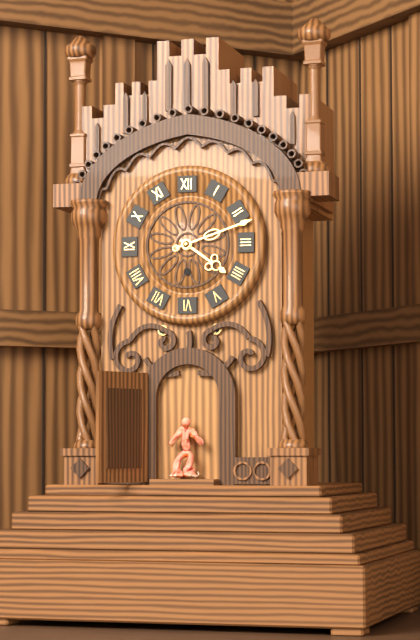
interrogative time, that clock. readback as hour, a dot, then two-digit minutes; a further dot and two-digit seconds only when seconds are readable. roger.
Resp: 4.12
